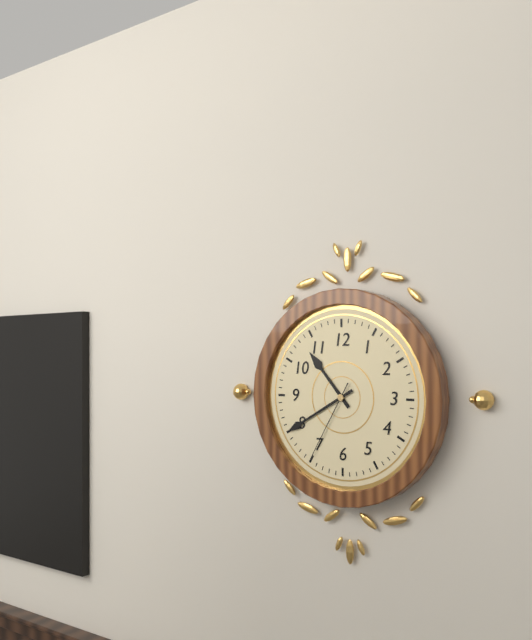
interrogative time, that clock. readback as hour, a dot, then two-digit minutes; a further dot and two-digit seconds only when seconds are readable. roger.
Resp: 10.40.35
